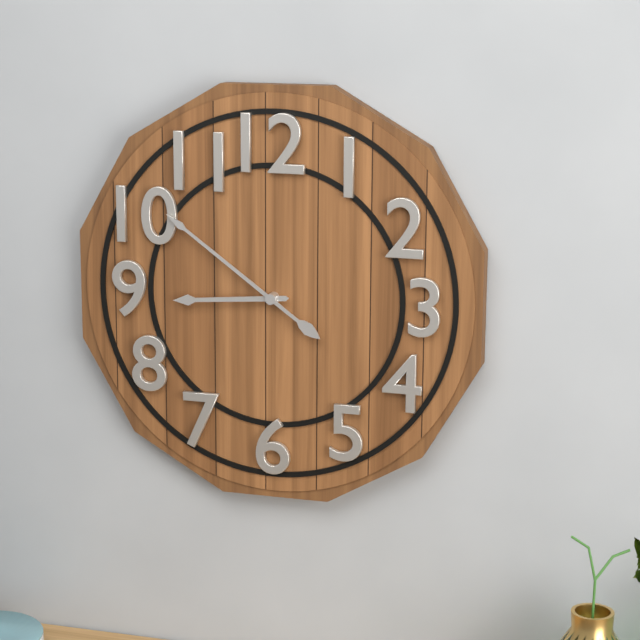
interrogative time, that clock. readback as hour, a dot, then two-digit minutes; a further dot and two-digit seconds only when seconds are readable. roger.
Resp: 8.51
